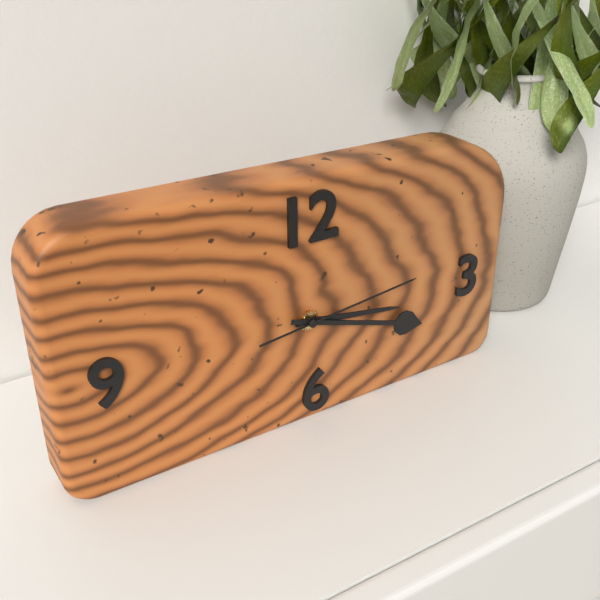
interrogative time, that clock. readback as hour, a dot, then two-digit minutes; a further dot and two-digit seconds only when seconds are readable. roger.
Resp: 3.18.14
